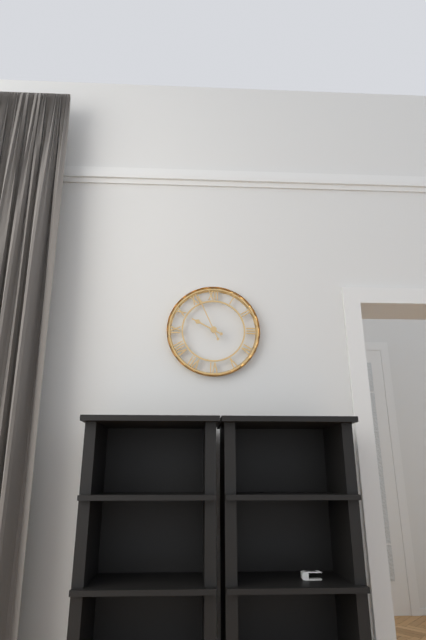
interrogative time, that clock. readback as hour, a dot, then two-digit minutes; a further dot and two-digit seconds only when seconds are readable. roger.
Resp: 9.56
